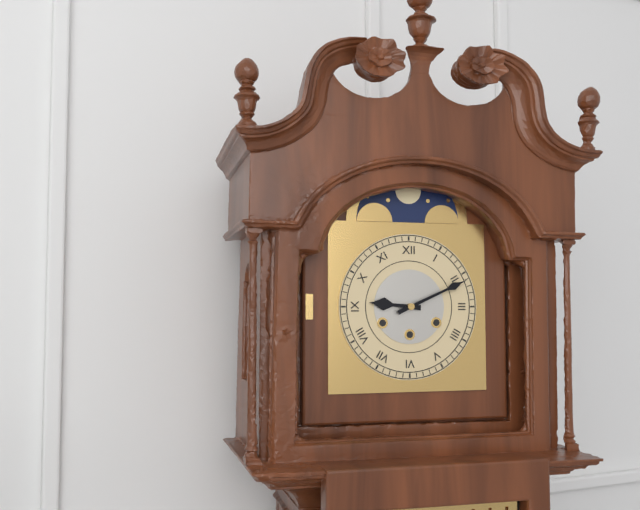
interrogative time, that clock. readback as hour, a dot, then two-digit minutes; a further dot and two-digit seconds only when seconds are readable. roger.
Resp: 9.11
